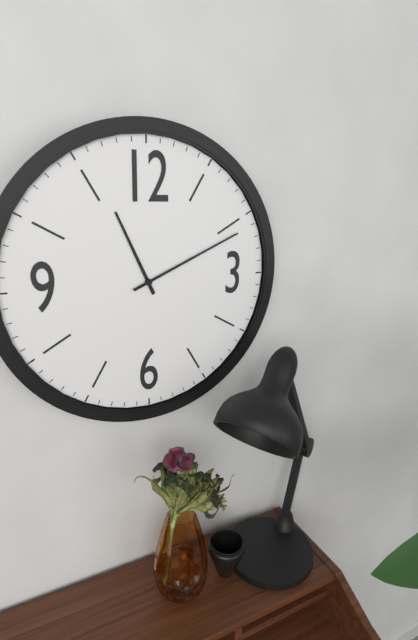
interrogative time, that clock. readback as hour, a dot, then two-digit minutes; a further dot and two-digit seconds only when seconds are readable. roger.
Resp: 11.11
